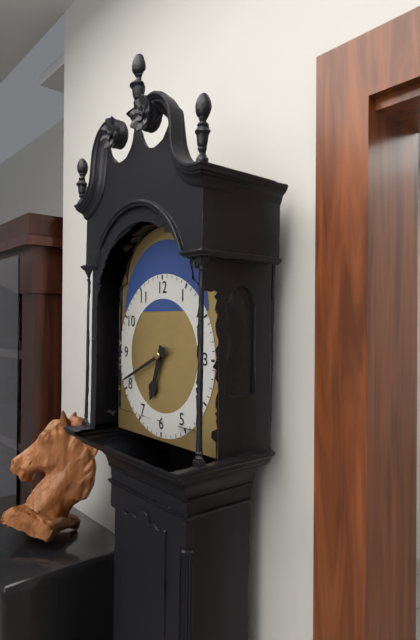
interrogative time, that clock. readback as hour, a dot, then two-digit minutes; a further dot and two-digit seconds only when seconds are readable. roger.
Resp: 6.41
